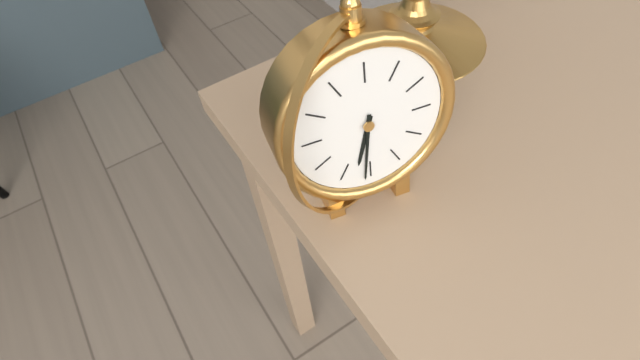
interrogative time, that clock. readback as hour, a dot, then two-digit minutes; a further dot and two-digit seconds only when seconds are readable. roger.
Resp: 6.31
